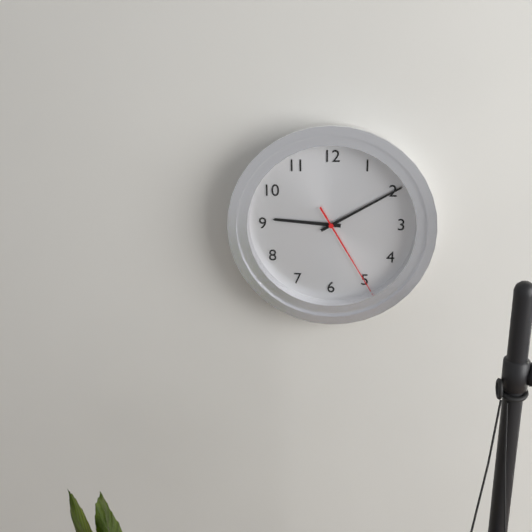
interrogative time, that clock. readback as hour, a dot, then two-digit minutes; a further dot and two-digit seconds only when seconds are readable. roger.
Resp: 9.10.25
